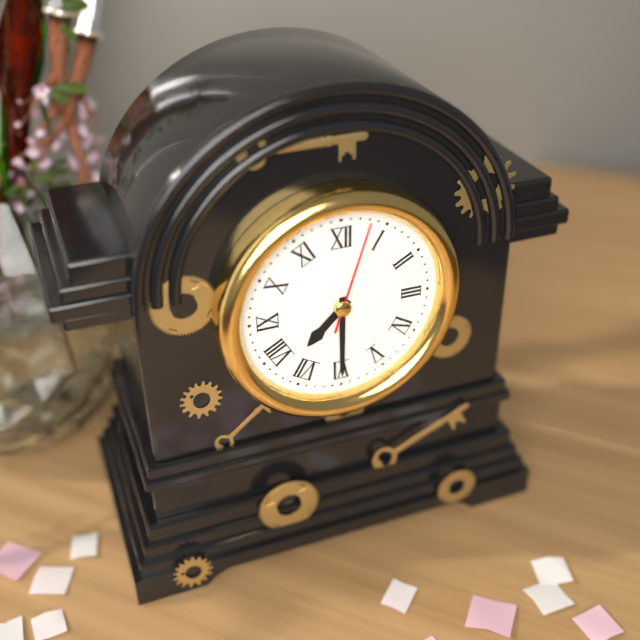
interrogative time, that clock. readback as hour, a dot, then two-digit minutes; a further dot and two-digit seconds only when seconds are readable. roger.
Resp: 7.30.03
